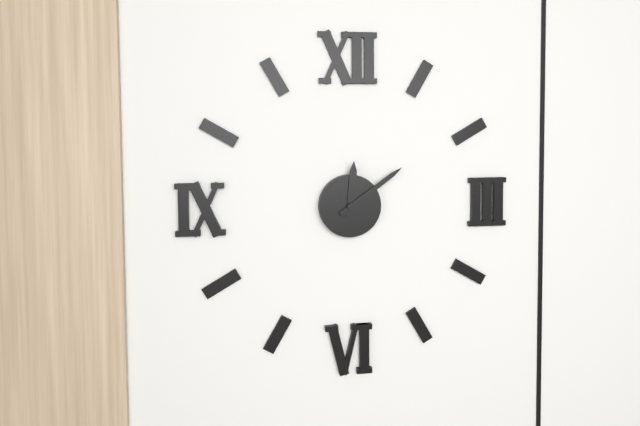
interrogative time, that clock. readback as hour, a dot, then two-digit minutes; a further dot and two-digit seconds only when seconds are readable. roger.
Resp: 12.09
